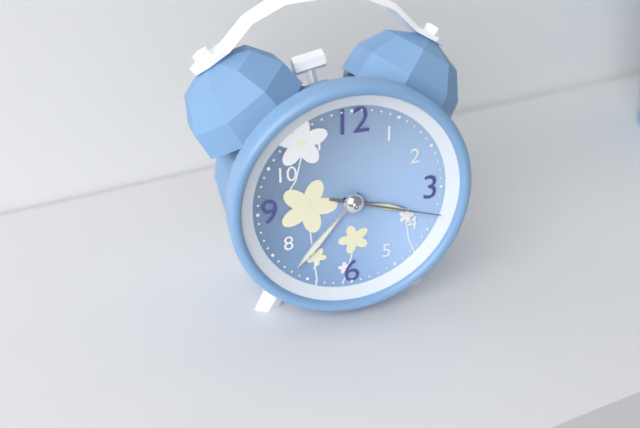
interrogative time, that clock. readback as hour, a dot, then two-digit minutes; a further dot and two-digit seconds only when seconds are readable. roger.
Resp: 3.37.18
